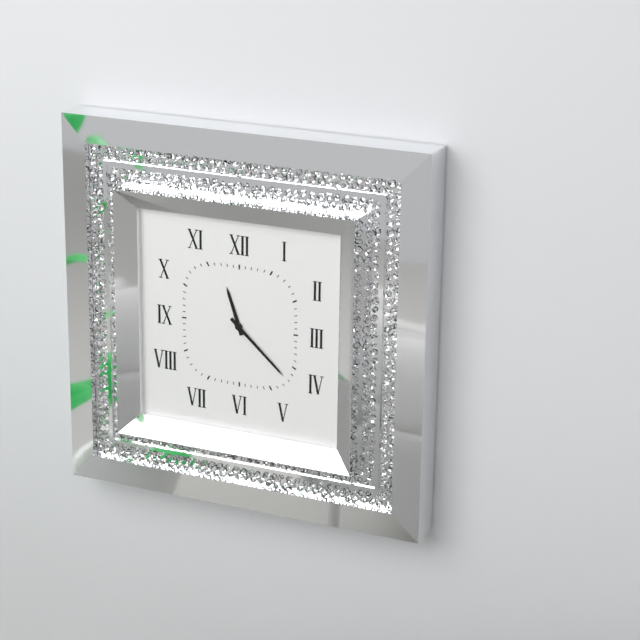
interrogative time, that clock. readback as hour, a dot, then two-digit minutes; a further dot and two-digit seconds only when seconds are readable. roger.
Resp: 11.22
